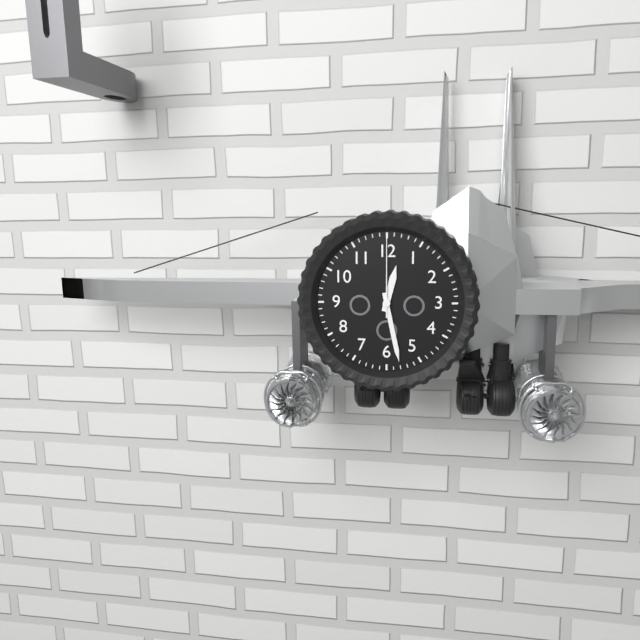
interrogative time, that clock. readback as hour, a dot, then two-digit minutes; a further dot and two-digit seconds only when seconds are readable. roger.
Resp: 12.28.00
